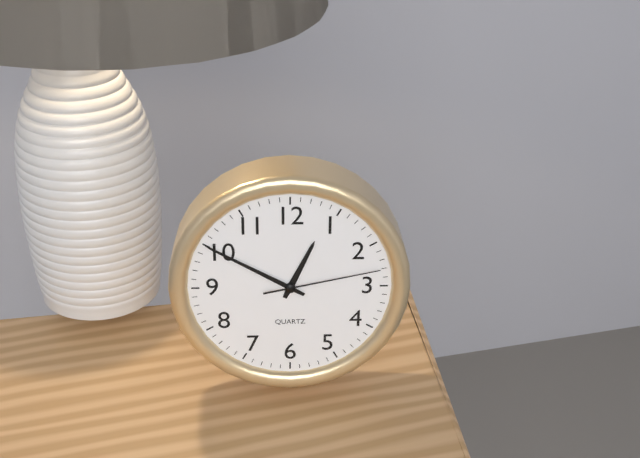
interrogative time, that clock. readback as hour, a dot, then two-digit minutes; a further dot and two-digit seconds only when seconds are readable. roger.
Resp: 12.50.13
